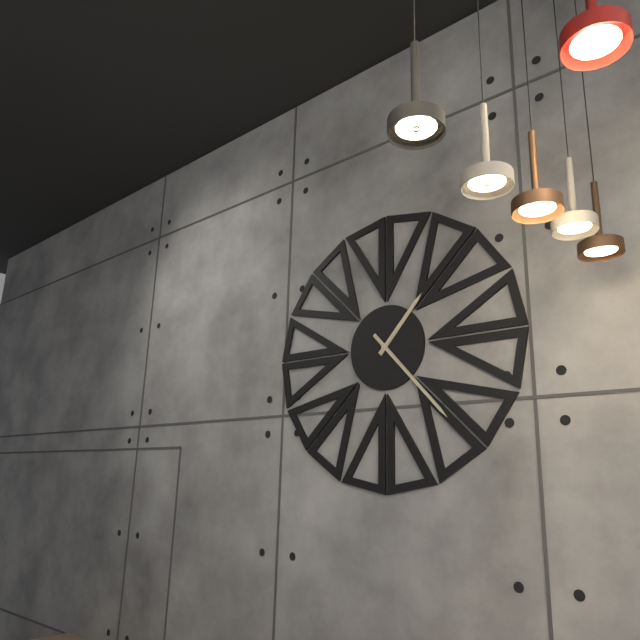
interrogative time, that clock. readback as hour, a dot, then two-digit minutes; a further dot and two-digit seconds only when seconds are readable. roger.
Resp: 1.23
